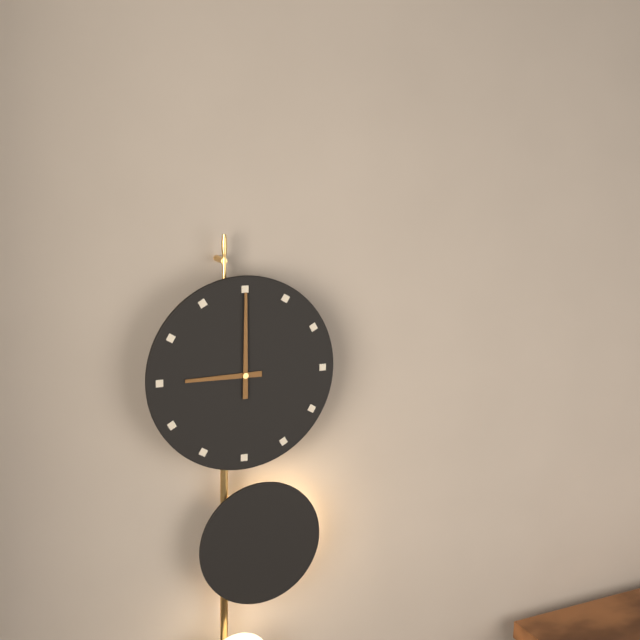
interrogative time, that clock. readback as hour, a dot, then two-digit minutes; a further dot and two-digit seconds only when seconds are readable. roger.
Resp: 9.00
